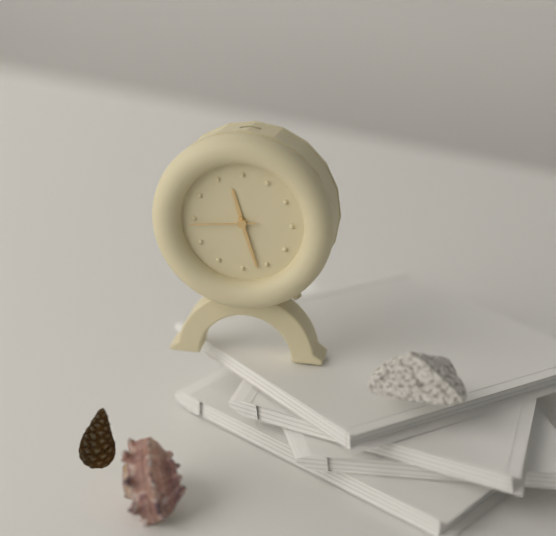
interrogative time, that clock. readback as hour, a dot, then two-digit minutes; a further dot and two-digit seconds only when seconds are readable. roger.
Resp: 11.27.44
